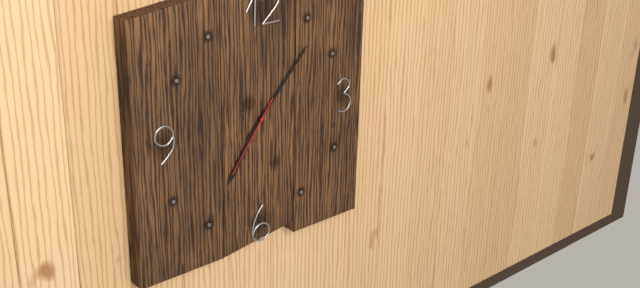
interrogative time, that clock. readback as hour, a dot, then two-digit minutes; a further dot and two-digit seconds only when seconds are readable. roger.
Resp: 7.07.36
